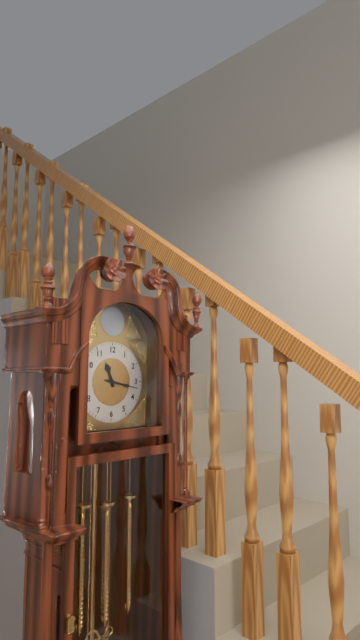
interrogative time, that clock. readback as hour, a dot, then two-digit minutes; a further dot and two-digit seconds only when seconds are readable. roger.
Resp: 11.17
